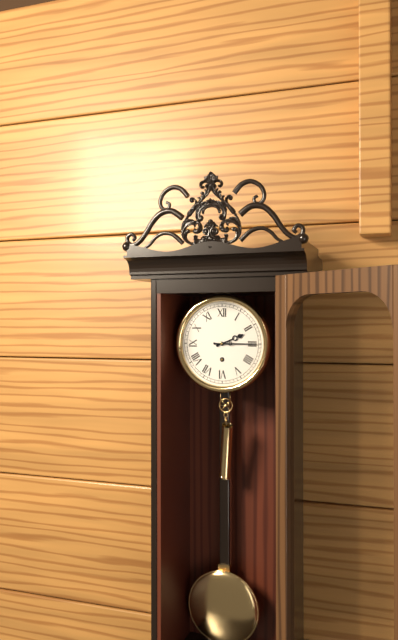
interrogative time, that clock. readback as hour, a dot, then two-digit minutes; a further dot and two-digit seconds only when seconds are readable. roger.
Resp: 2.15
